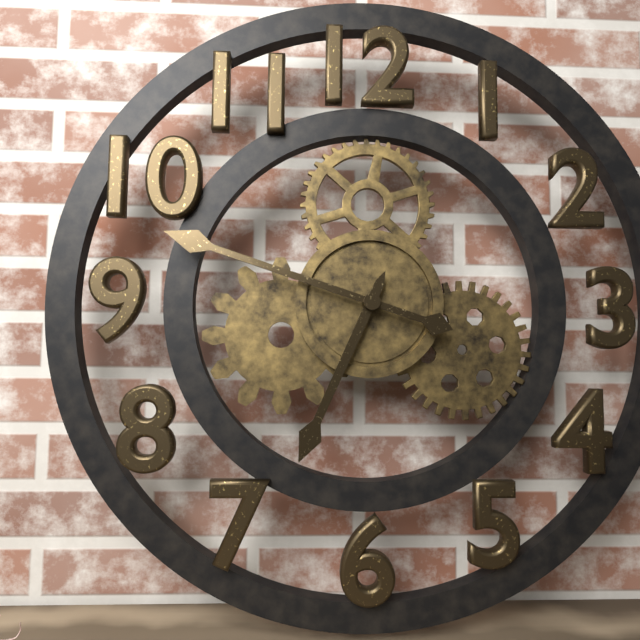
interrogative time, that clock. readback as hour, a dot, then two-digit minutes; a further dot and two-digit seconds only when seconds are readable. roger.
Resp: 6.48
